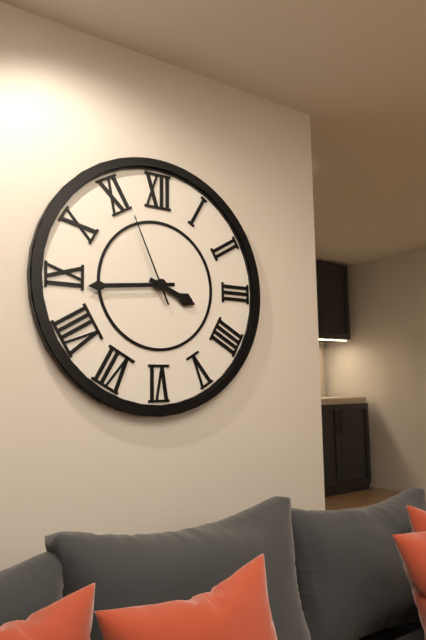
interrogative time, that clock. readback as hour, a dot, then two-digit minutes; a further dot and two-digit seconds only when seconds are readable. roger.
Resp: 3.44.56
